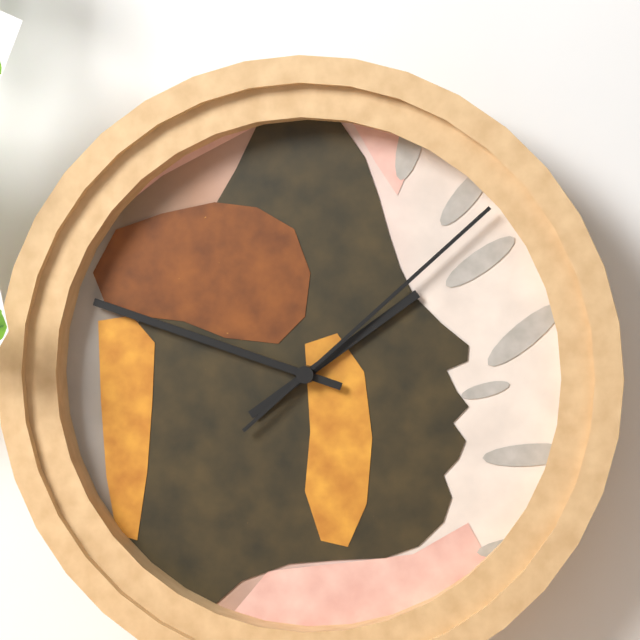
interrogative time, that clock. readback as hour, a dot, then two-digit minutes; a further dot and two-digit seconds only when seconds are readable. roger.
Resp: 1.48.08
